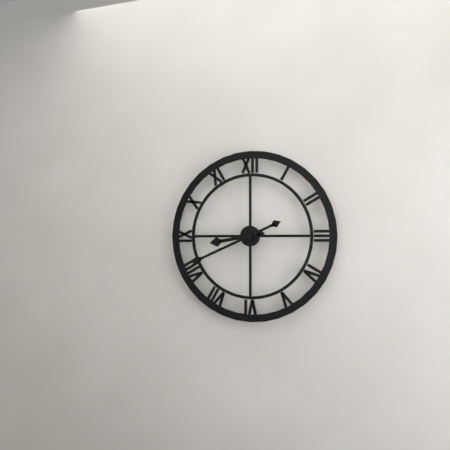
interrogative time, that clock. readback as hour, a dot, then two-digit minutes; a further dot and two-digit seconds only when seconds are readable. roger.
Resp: 8.41
